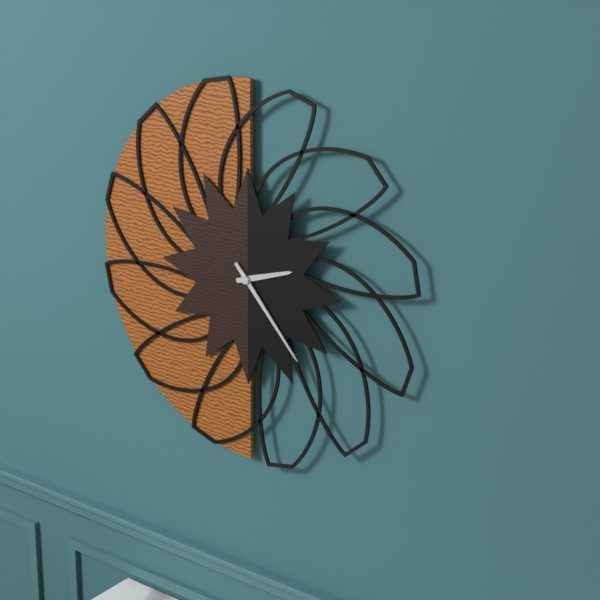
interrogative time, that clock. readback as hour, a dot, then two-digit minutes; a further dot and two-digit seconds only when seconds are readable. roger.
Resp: 2.23
